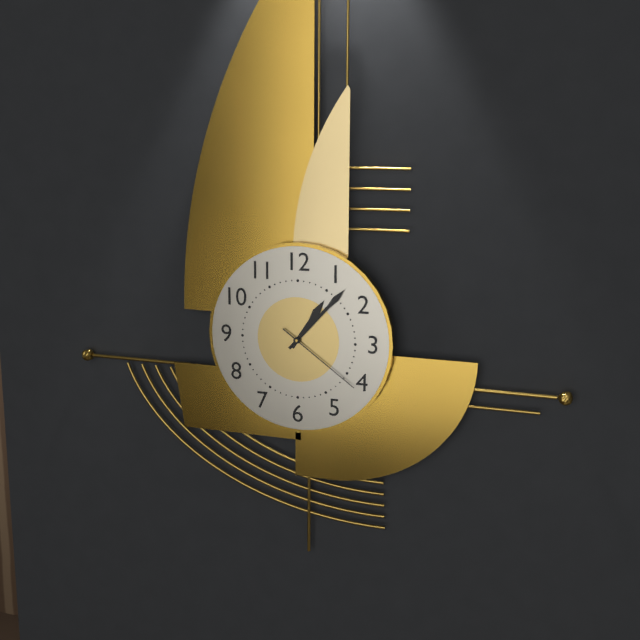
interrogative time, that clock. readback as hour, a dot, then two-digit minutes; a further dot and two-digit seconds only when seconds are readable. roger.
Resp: 1.07.21
